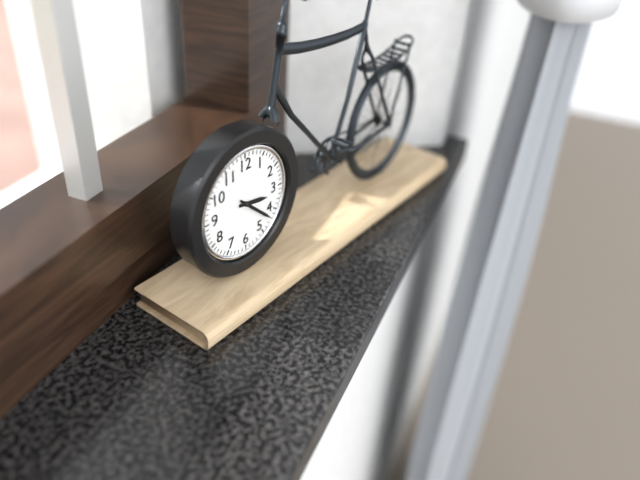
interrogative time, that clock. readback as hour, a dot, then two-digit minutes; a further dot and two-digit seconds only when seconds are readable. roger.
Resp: 3.22
